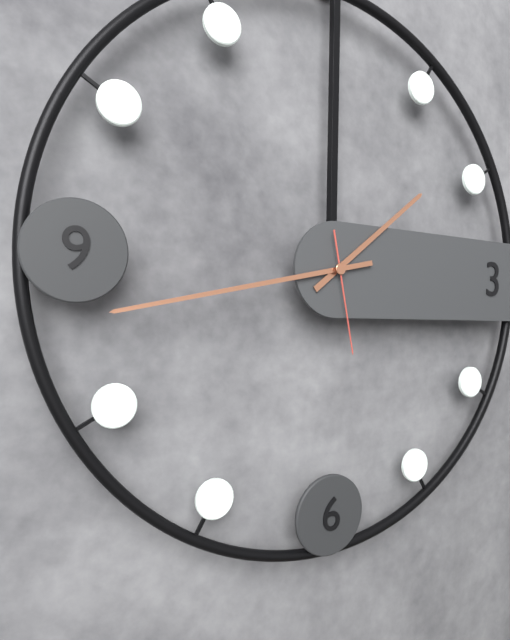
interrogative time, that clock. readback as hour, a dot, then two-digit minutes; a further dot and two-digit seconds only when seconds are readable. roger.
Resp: 1.43.28
